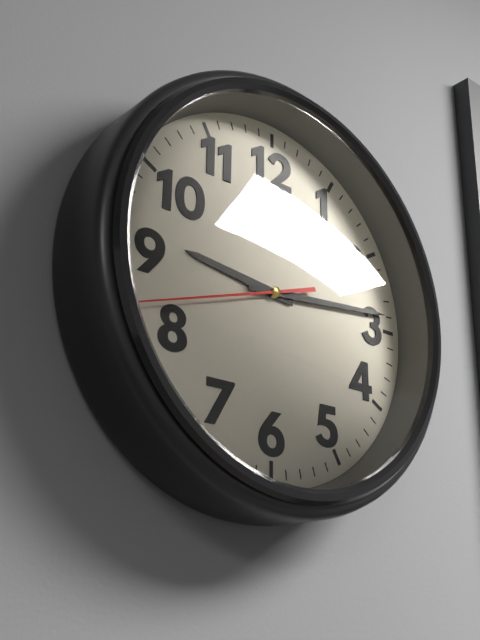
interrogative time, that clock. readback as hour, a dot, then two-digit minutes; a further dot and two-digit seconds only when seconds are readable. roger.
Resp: 9.14.42
